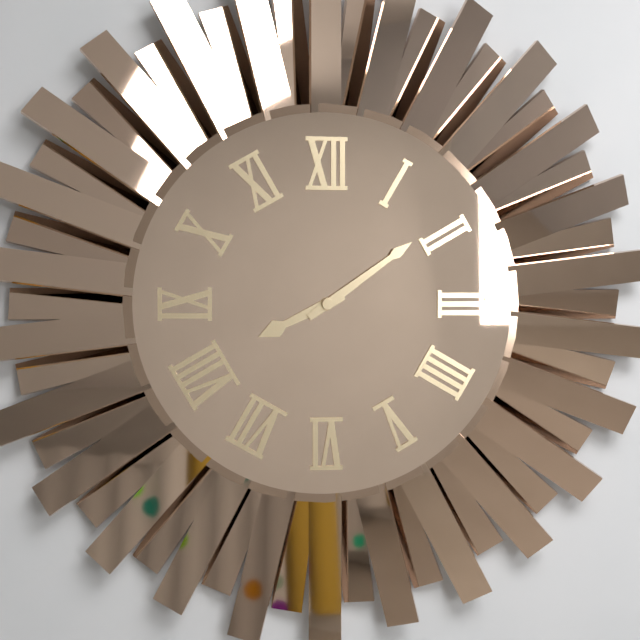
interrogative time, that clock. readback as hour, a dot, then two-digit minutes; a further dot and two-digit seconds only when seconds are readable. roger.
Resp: 8.09
